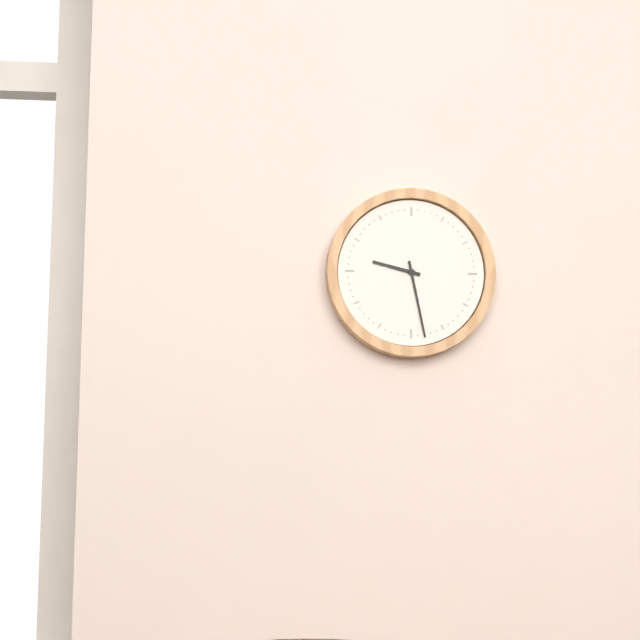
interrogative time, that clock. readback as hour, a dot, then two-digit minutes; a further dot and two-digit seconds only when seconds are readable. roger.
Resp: 9.28
